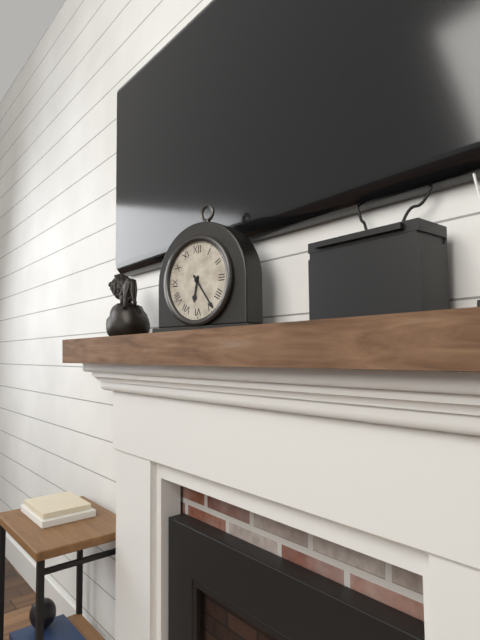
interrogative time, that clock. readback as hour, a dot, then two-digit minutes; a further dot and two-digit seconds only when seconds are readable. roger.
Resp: 6.24
